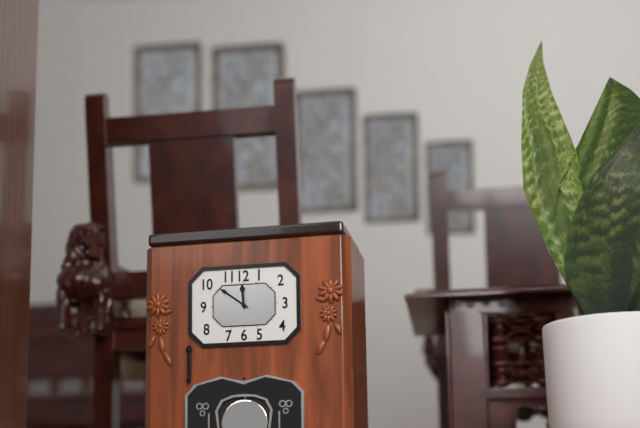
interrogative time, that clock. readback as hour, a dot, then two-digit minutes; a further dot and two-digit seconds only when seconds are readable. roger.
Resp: 11.51
